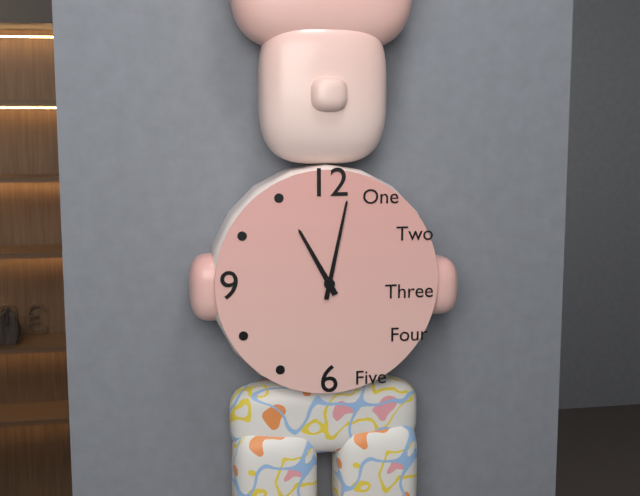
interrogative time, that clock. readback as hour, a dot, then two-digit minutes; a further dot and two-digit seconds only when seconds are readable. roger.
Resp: 11.02
